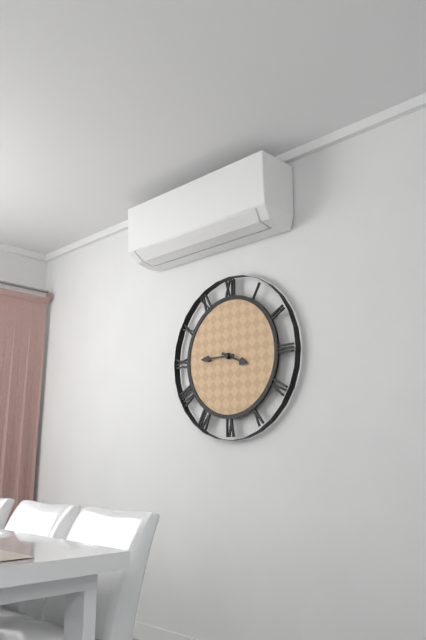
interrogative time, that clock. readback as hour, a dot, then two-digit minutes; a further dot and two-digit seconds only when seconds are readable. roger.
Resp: 3.45
